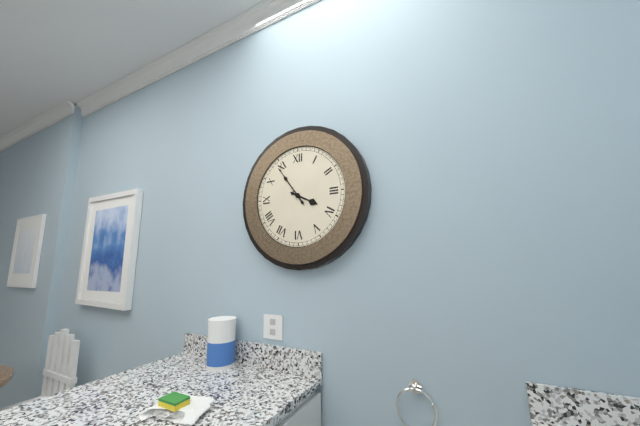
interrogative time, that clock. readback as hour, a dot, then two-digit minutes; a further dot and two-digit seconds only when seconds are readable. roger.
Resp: 3.54
